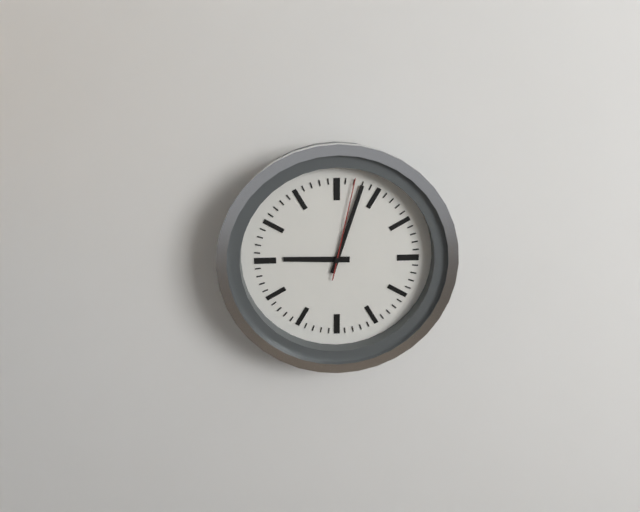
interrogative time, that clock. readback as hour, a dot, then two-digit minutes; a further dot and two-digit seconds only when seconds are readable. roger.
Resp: 9.03.02
